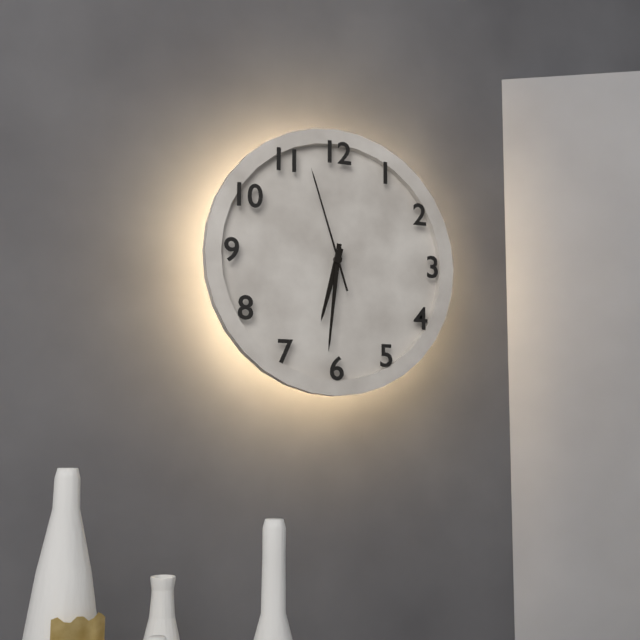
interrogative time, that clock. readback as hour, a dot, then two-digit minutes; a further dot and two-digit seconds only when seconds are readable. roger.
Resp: 6.31.57
